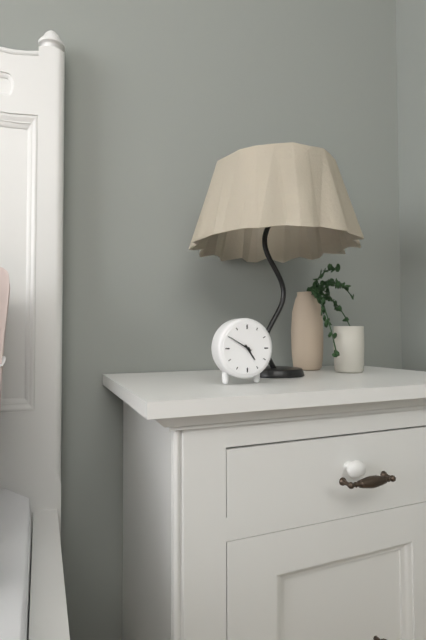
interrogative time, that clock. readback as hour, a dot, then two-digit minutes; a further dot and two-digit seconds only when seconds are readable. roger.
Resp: 4.50
